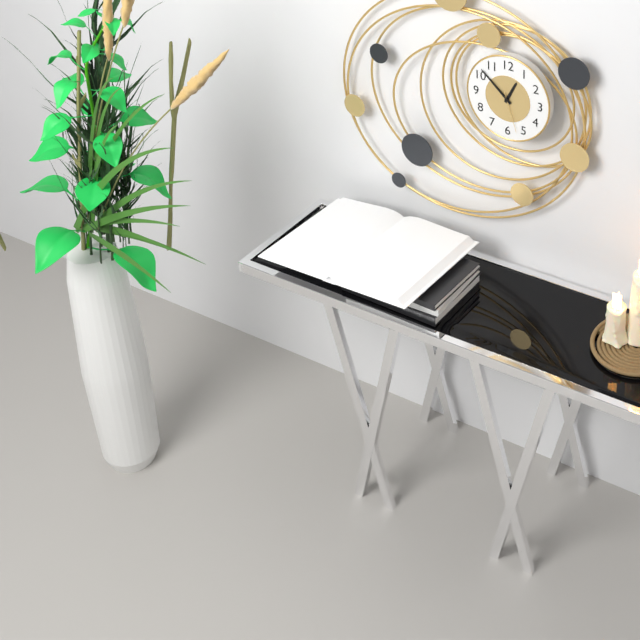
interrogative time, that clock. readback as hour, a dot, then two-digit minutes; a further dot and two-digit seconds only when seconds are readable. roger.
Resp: 12.52
